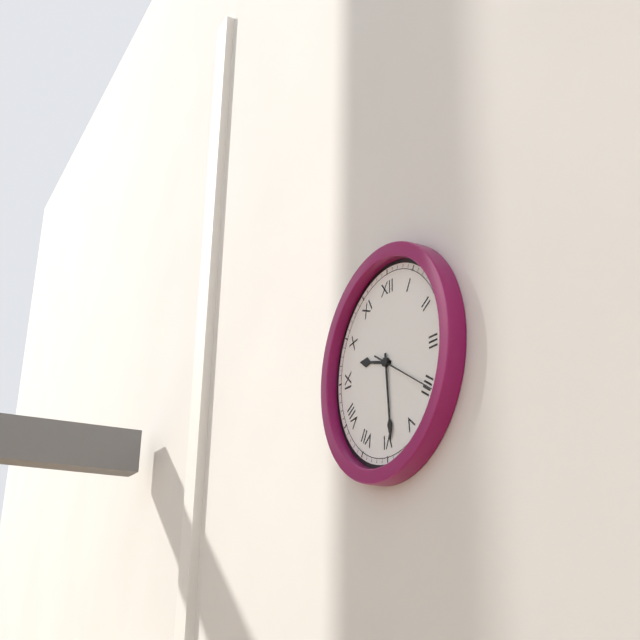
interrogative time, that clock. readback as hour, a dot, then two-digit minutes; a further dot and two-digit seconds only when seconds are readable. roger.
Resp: 9.29.20
